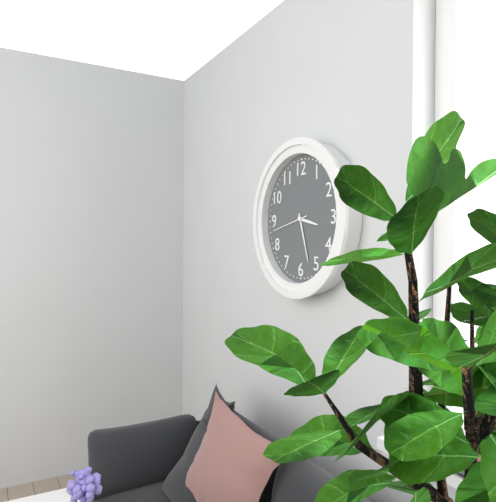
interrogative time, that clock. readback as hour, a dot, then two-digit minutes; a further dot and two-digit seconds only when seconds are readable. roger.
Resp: 3.27
